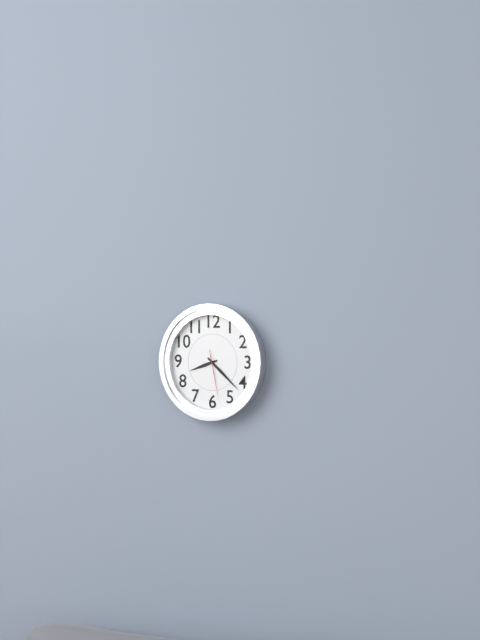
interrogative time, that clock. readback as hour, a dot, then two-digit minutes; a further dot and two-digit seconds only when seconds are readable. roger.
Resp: 8.22
